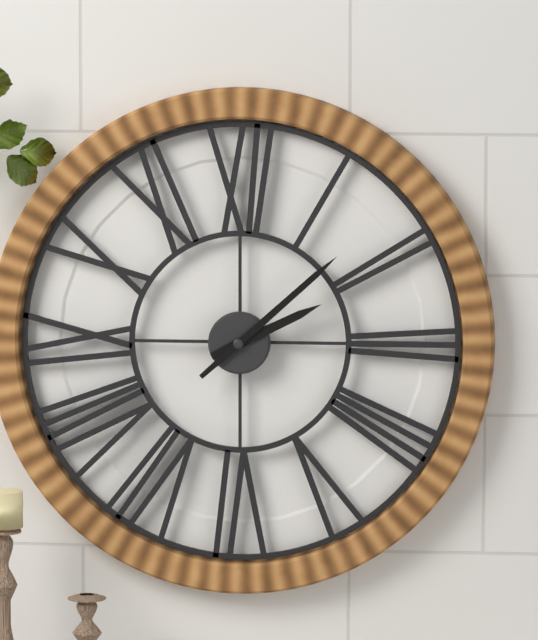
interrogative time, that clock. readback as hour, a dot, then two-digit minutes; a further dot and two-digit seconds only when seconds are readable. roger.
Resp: 2.08
